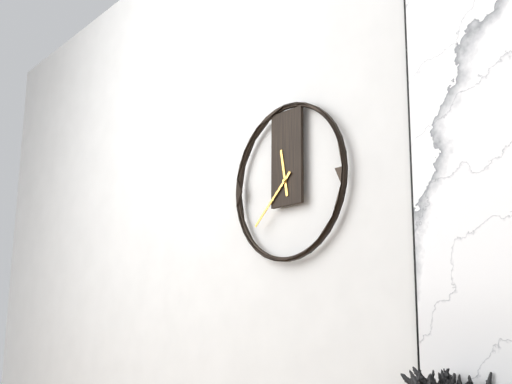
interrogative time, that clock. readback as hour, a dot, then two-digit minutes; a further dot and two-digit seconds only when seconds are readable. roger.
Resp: 11.38
